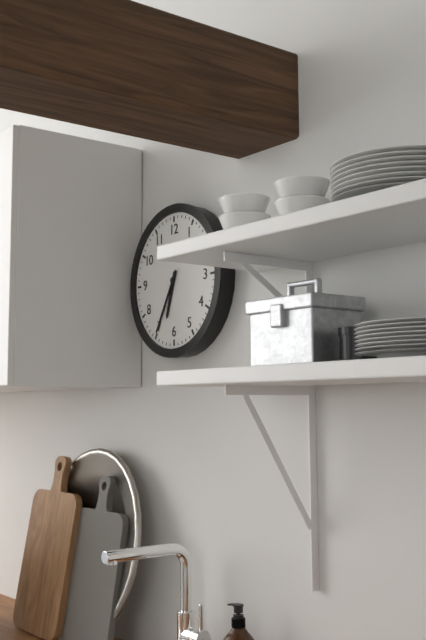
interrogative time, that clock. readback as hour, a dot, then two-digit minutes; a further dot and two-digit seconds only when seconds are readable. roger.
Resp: 6.35
